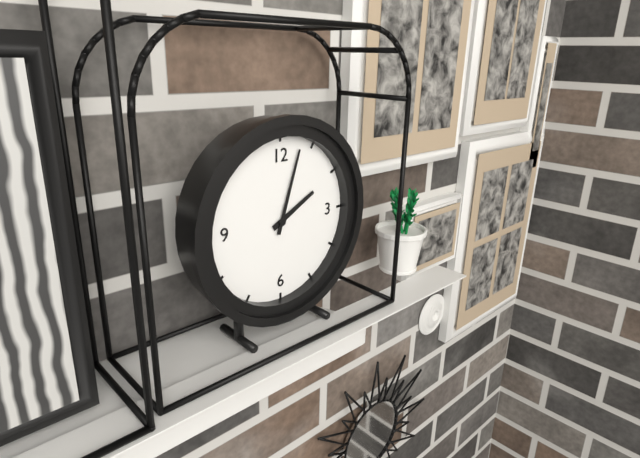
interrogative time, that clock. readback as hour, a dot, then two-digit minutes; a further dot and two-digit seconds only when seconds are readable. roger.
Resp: 2.03
